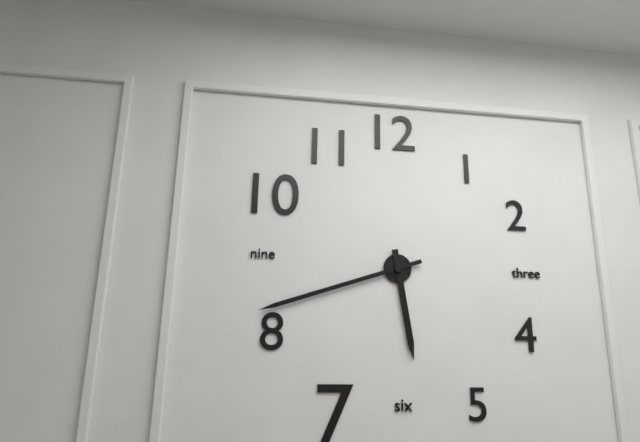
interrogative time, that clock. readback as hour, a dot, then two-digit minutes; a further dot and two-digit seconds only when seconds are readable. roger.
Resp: 5.42
